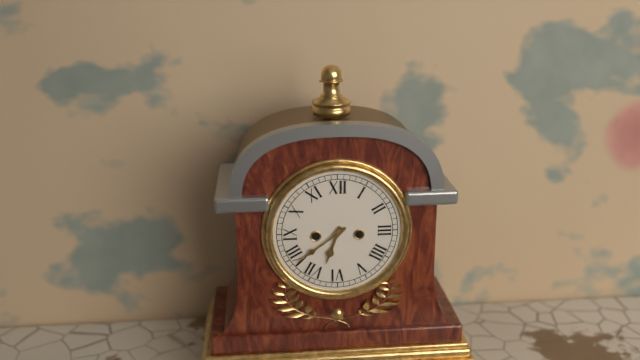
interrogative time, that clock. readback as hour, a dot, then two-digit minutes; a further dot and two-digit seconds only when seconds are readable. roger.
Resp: 6.39
